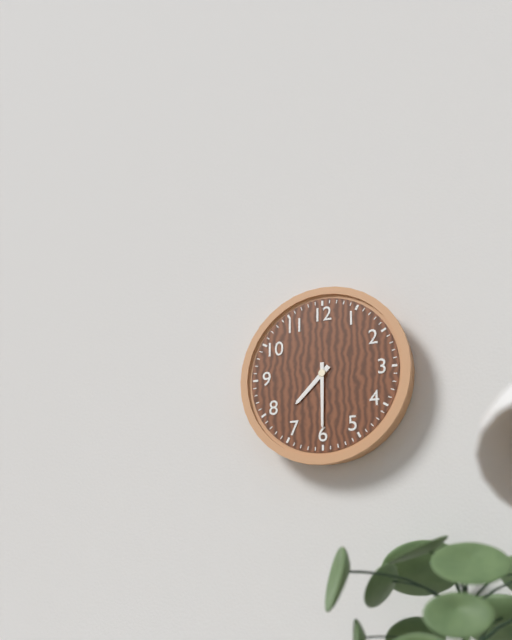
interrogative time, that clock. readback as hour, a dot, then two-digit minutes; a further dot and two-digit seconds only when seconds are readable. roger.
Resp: 7.30
